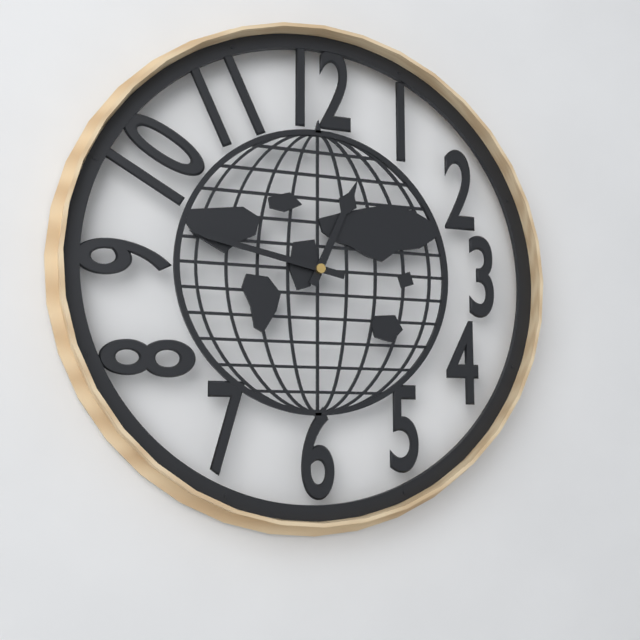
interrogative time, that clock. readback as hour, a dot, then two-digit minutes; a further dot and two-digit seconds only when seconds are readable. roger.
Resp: 12.47
